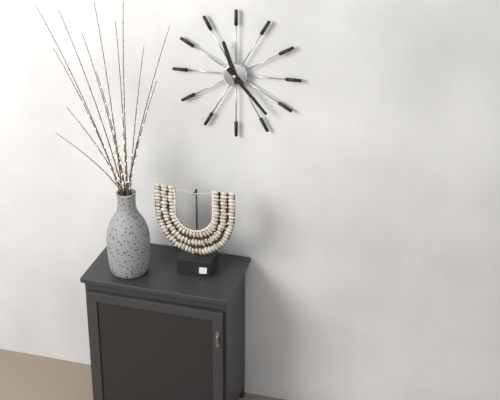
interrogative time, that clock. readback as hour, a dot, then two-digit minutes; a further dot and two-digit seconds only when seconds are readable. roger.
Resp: 11.23
